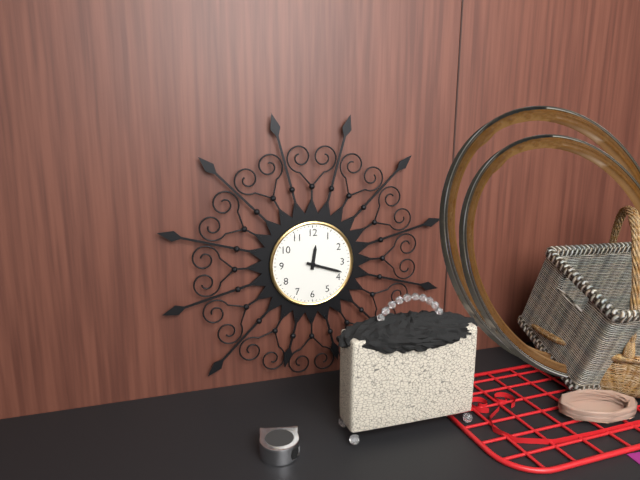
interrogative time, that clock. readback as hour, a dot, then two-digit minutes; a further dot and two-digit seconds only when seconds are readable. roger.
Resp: 12.18
